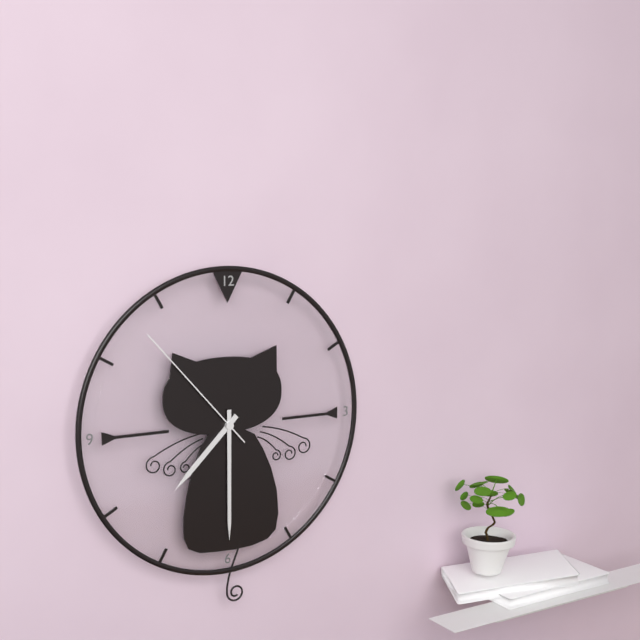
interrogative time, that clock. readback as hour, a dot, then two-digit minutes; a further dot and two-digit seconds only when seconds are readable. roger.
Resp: 7.30.53
